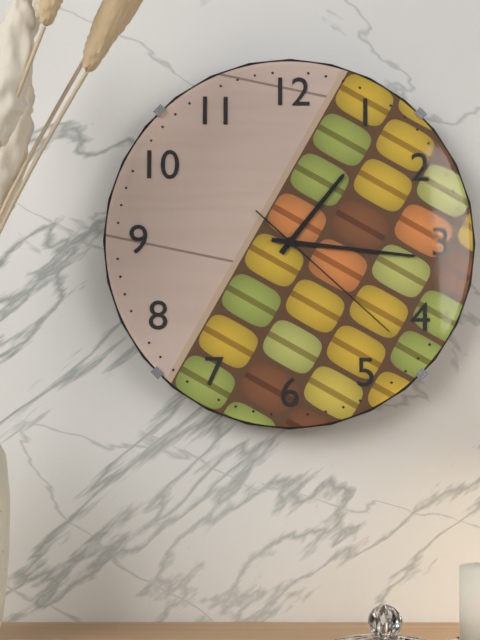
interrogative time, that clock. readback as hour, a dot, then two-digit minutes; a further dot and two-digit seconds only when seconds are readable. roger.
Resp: 1.16.22
